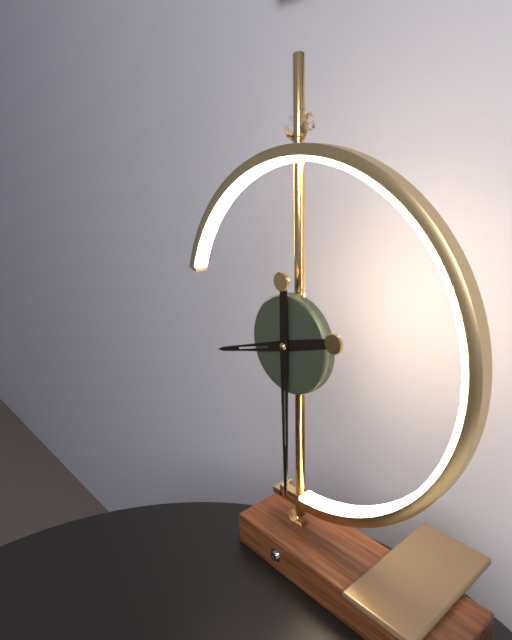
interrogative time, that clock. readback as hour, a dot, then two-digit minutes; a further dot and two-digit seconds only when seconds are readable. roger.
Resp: 8.30
